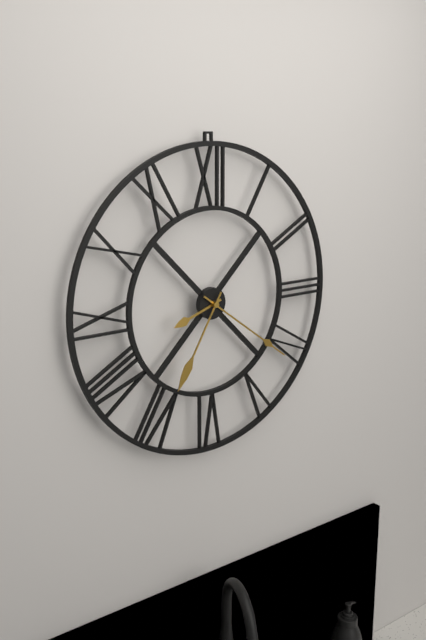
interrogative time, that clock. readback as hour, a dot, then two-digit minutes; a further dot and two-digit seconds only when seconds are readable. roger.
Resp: 8.21.35
